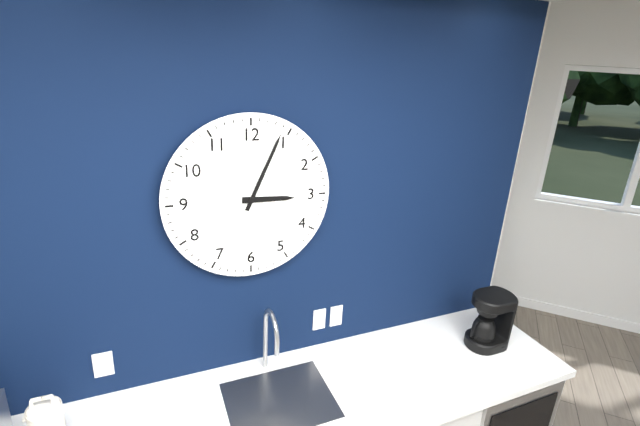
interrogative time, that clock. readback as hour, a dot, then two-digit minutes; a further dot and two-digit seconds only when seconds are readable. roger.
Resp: 3.04
